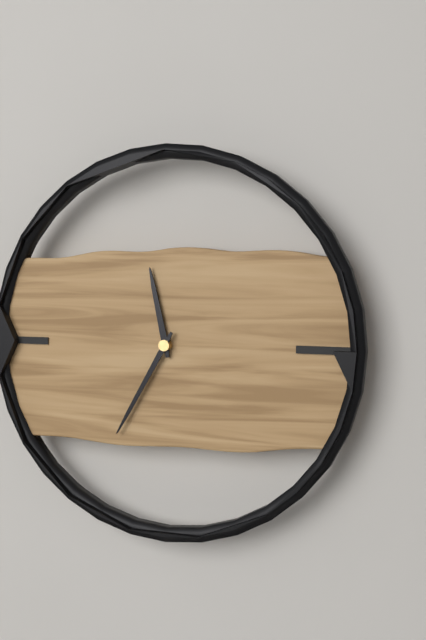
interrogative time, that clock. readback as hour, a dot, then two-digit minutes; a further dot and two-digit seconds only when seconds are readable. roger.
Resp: 11.35
